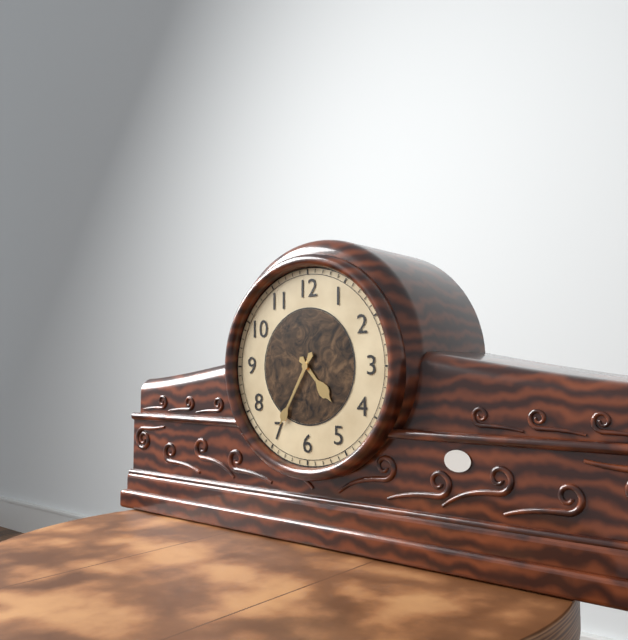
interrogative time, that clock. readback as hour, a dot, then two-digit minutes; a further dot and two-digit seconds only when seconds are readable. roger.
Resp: 4.35
